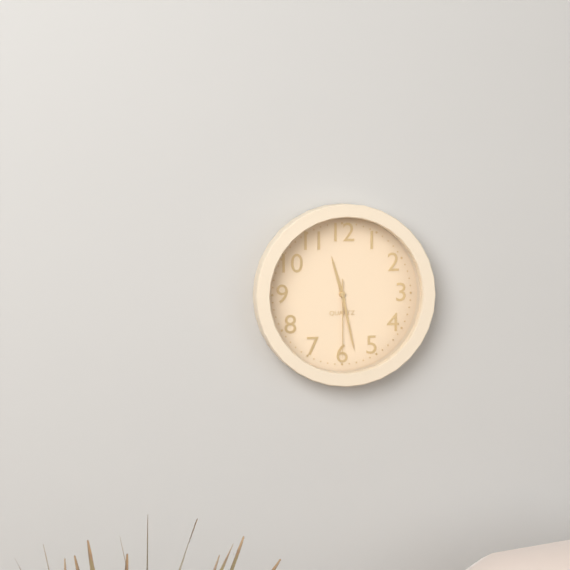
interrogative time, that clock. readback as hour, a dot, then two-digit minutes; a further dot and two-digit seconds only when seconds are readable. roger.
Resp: 11.28.30
